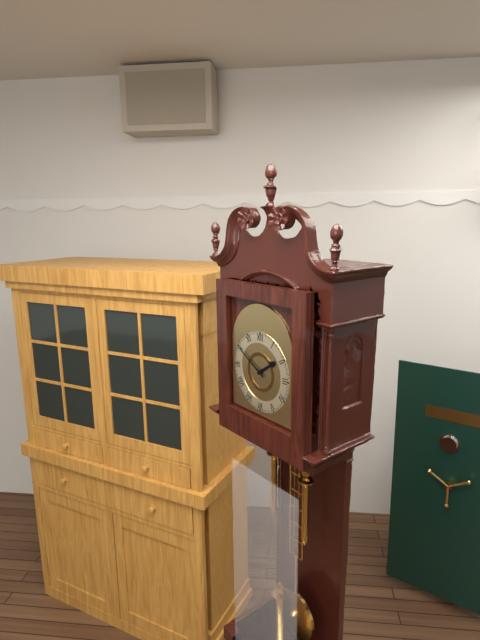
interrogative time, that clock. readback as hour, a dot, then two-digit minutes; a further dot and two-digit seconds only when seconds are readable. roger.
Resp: 1.50
